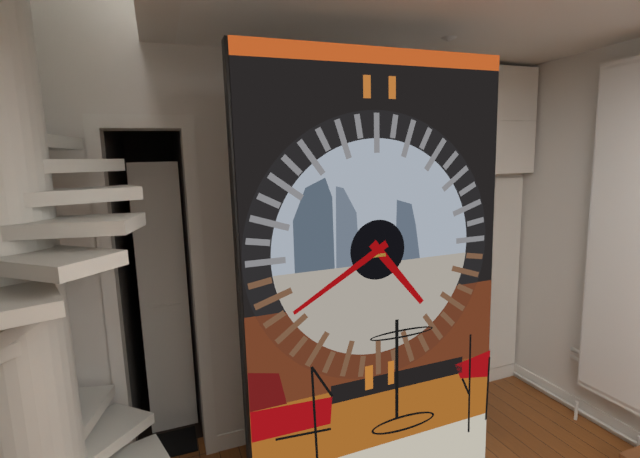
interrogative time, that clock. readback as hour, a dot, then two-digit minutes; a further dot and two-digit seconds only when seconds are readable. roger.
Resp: 4.40
